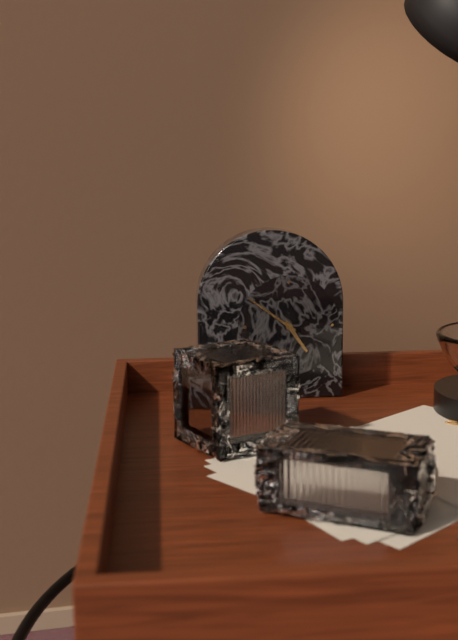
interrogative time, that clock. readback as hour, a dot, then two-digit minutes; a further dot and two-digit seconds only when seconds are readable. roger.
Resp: 4.51
